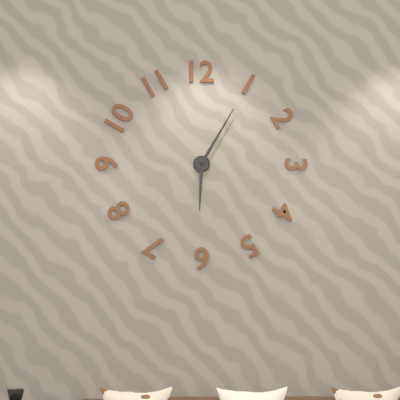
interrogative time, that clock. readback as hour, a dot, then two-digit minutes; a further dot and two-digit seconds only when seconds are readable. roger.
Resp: 6.05
